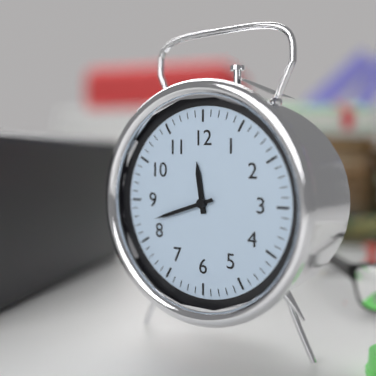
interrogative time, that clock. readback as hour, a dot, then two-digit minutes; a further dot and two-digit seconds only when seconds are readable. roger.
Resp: 11.42
